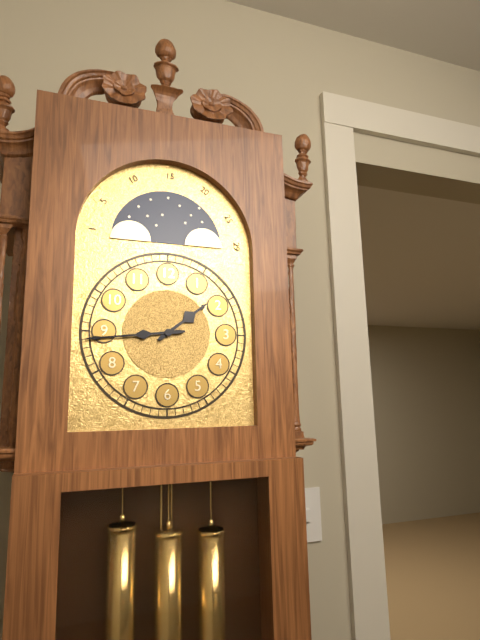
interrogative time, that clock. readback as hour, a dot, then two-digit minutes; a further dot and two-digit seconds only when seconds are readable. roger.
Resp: 1.44
